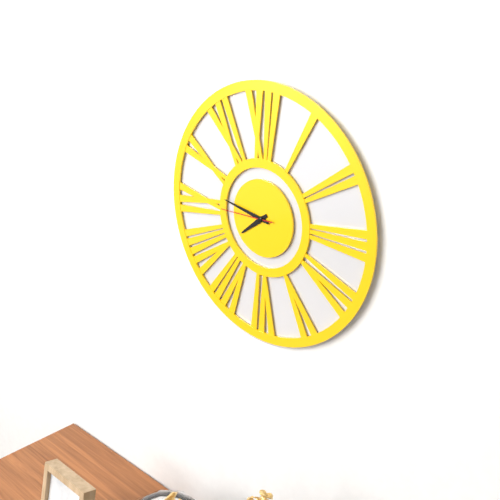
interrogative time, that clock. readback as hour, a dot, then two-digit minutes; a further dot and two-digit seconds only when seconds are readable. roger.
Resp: 7.47.45
